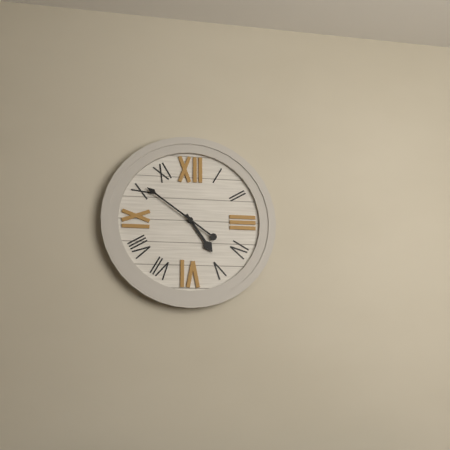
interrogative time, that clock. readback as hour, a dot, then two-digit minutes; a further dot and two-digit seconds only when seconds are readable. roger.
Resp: 4.51
